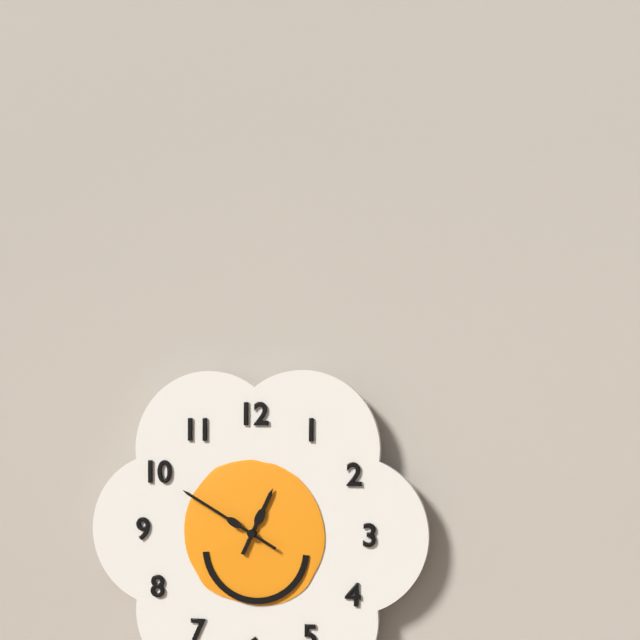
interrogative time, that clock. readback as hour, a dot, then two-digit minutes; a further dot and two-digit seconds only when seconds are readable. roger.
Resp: 12.50
